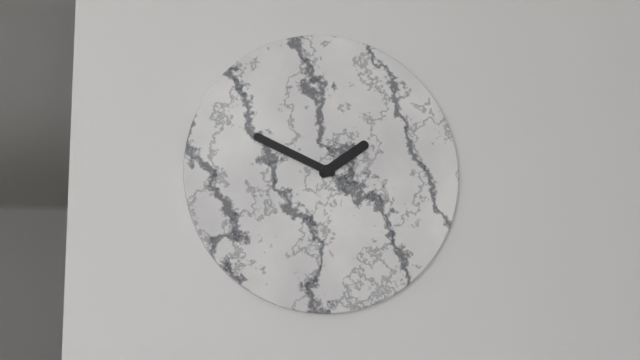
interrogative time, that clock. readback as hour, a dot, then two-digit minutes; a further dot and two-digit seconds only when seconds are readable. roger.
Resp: 1.49
